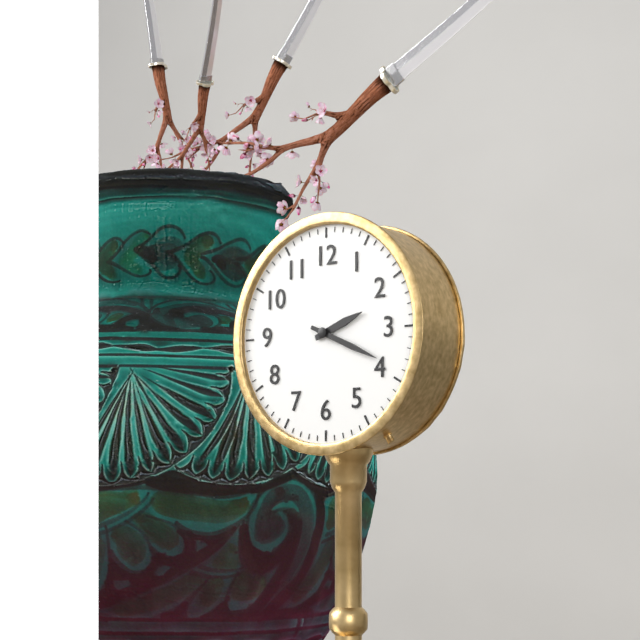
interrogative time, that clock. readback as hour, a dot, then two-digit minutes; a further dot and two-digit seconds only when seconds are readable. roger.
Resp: 2.19
